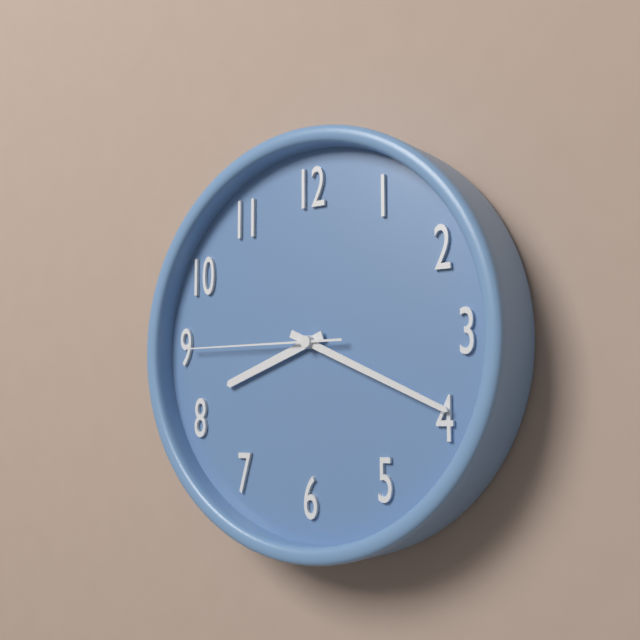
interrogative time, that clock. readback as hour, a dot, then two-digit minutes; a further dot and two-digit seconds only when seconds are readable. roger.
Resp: 8.19.45
